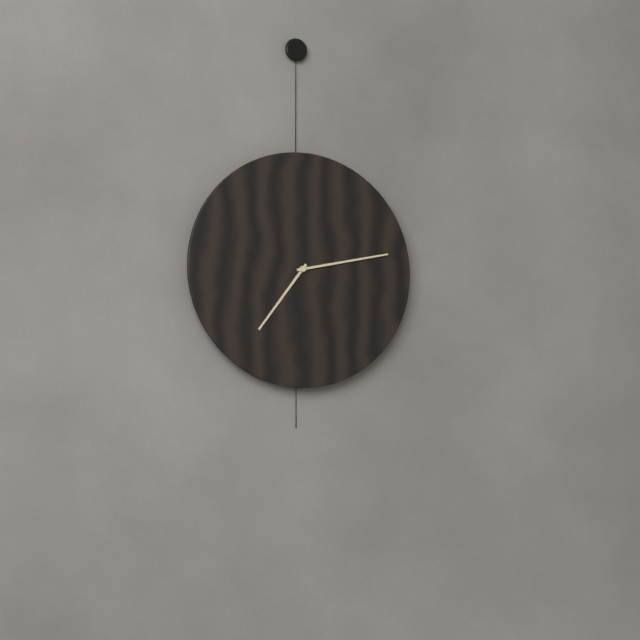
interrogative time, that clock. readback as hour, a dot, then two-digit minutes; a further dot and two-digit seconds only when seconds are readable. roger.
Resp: 7.13
